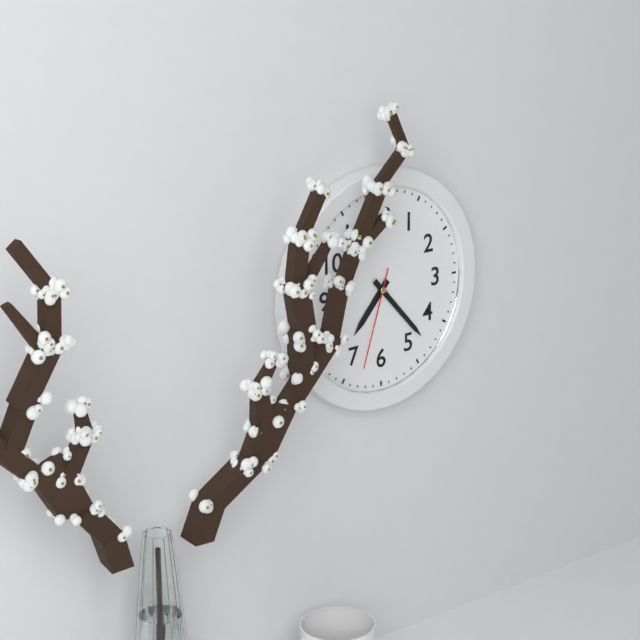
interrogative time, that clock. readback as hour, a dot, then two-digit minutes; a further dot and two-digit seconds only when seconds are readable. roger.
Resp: 7.23.33
